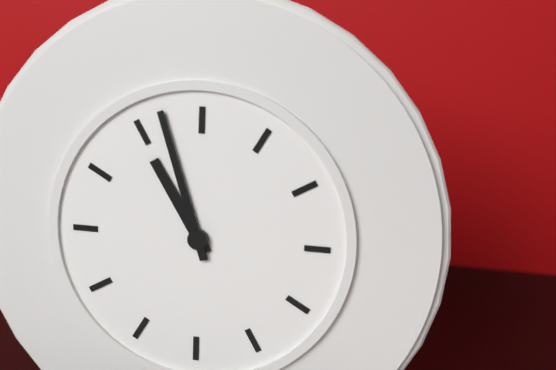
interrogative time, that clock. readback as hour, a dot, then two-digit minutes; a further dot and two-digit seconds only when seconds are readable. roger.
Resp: 10.57
